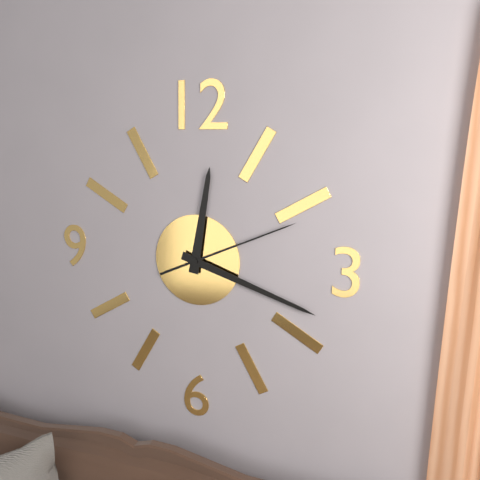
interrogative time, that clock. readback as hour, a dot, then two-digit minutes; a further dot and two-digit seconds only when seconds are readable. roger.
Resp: 12.18.11
